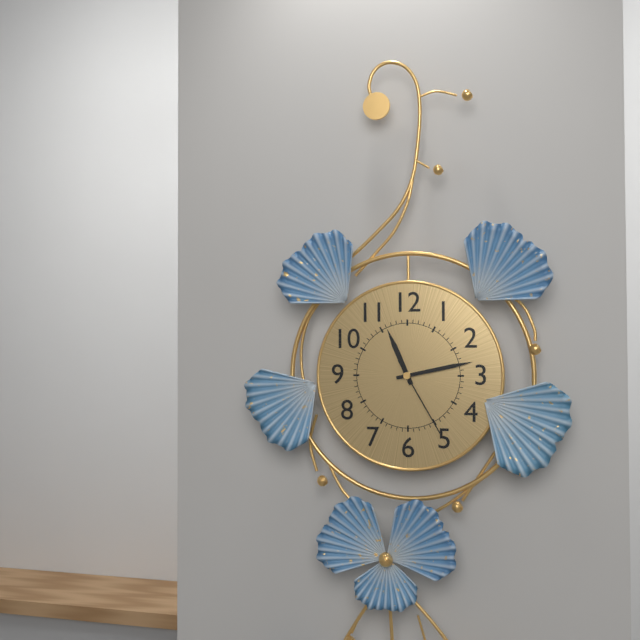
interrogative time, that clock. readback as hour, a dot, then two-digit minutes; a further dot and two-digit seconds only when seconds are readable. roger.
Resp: 11.13.25
